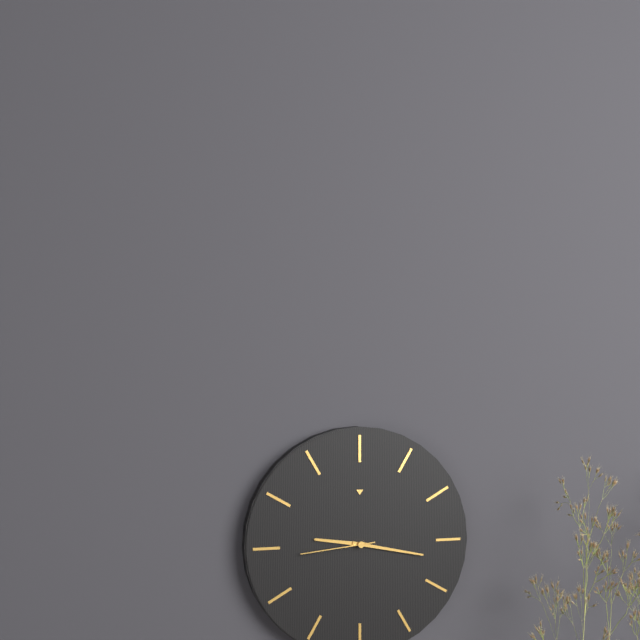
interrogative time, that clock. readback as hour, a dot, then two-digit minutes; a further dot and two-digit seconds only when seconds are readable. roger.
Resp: 9.17.44
